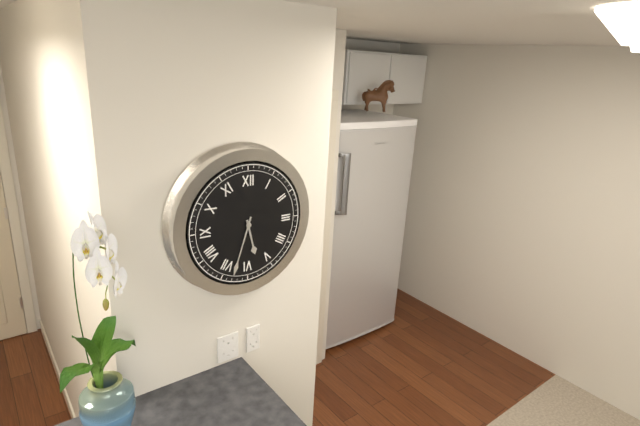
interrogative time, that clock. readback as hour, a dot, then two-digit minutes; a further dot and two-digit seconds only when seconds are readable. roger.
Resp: 5.33
